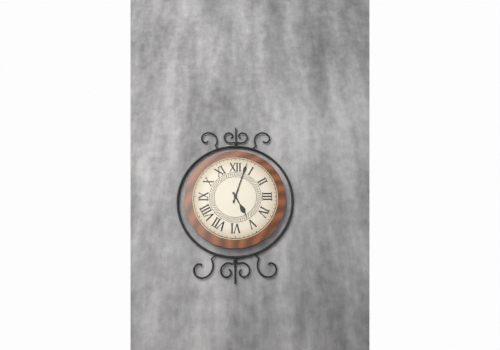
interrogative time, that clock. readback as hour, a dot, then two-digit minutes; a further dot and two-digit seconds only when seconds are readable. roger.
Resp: 5.03
